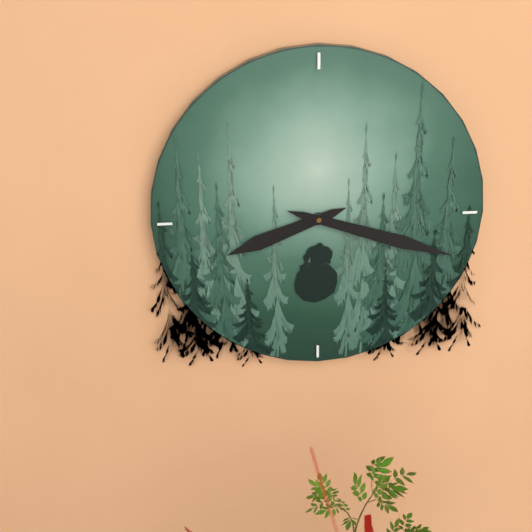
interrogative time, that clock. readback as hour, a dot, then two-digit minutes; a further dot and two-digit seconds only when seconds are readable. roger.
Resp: 8.18
